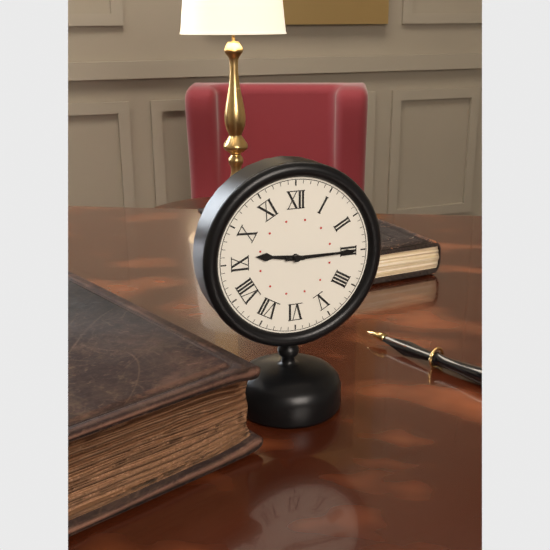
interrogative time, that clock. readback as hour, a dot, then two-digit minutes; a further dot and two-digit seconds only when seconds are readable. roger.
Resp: 9.15
